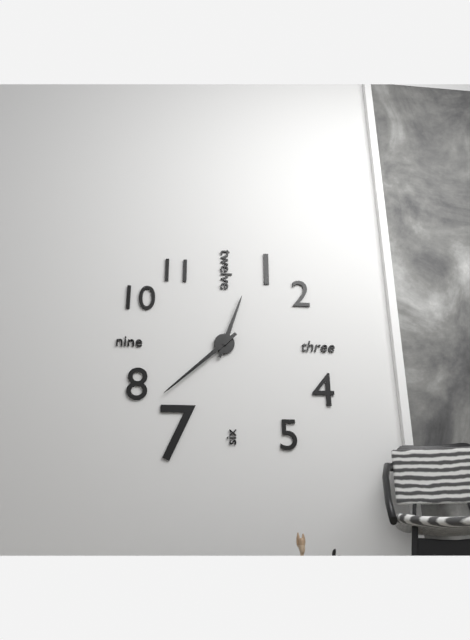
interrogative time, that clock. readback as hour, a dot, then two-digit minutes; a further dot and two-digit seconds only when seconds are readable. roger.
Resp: 12.38
